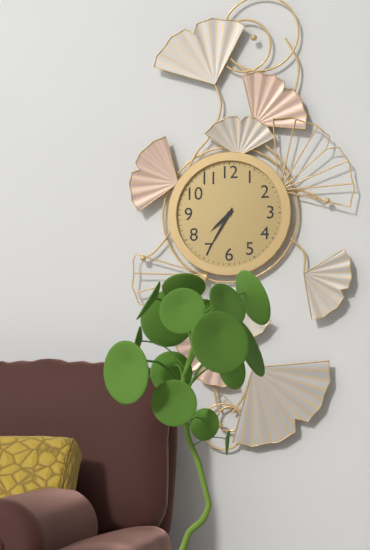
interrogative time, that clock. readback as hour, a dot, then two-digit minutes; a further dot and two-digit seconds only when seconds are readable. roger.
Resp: 7.35
